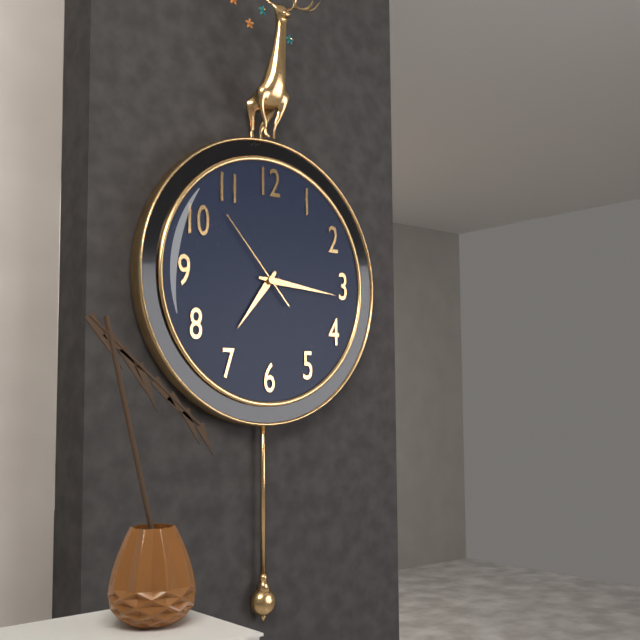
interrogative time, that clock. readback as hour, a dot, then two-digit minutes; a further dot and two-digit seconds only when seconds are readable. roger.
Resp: 7.16.53
